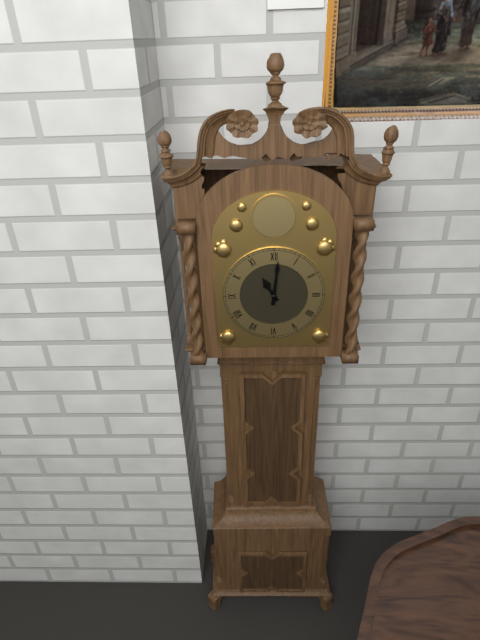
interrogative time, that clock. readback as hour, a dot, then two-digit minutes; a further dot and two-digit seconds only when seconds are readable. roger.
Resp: 11.01
